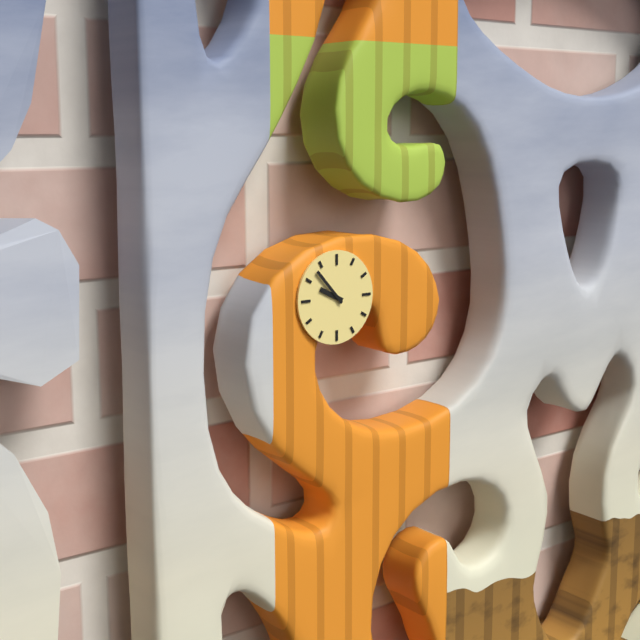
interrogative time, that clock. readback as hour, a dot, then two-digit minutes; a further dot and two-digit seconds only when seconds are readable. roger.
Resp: 9.53
